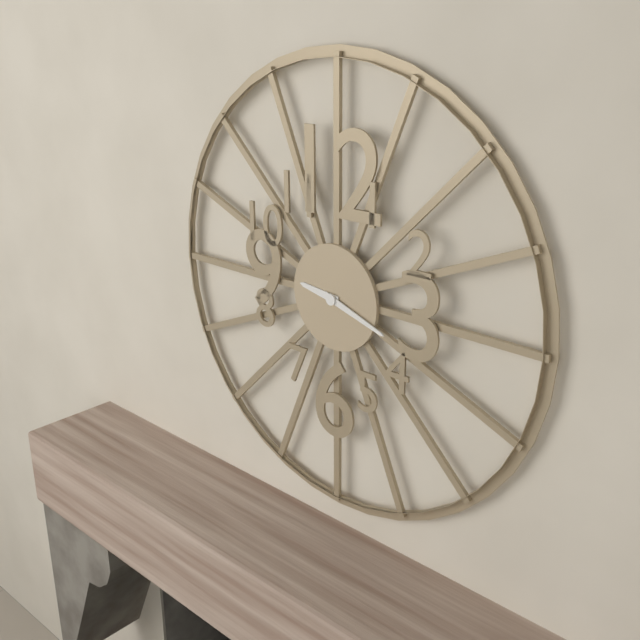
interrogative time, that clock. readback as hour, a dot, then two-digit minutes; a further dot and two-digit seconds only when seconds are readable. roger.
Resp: 9.18
